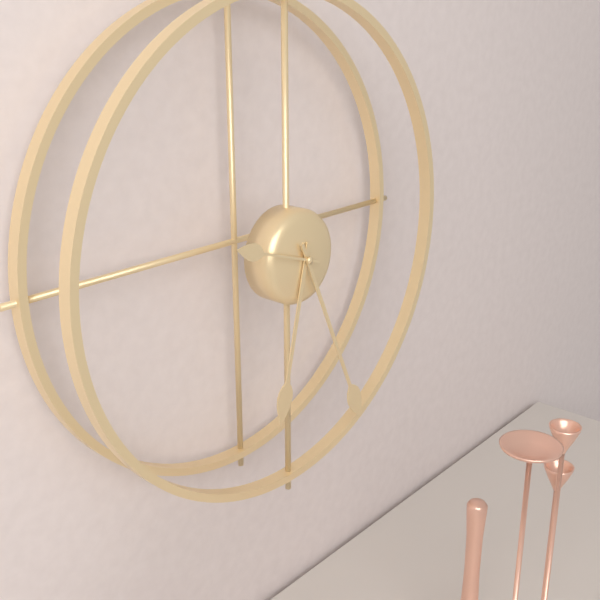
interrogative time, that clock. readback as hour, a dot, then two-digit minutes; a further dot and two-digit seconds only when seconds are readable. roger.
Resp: 6.26.48
